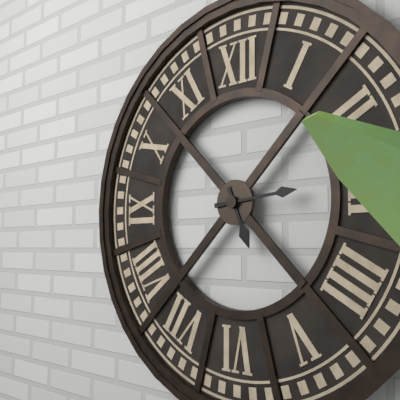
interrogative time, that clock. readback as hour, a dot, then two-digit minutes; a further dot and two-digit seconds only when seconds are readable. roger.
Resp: 5.14
